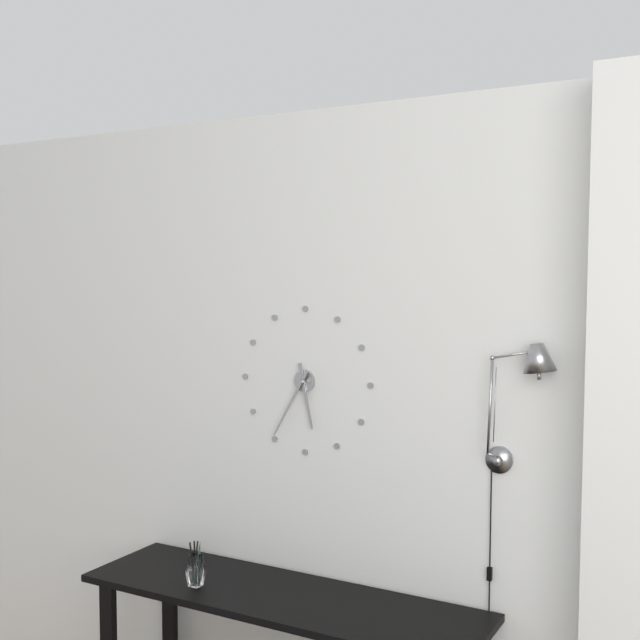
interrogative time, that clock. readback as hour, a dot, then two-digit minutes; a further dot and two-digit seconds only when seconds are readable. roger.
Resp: 5.35
